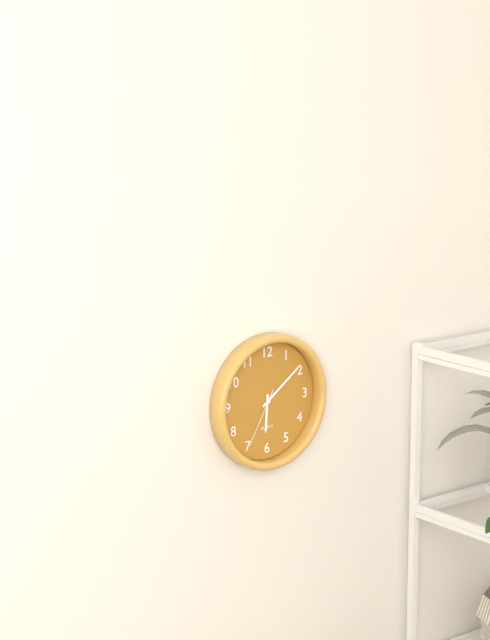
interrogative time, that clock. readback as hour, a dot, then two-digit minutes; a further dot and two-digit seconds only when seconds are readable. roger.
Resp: 6.09.35
